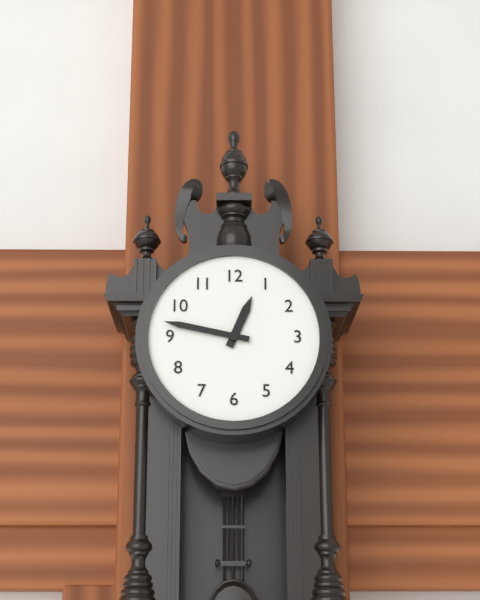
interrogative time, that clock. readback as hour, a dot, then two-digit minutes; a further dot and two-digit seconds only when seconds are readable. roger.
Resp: 12.47
